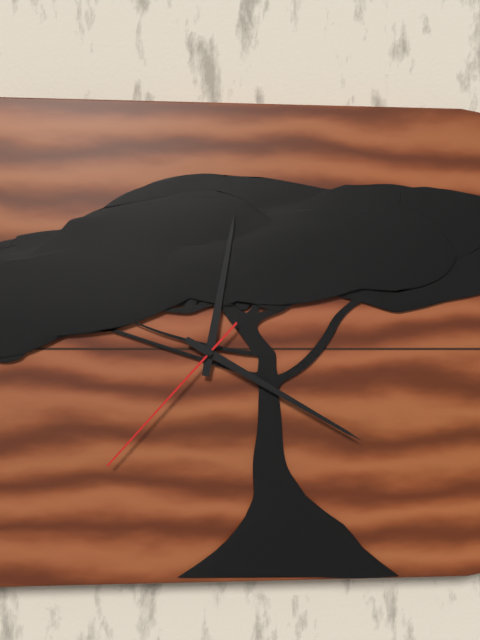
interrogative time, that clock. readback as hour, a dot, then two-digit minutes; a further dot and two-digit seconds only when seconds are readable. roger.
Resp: 12.20.37
